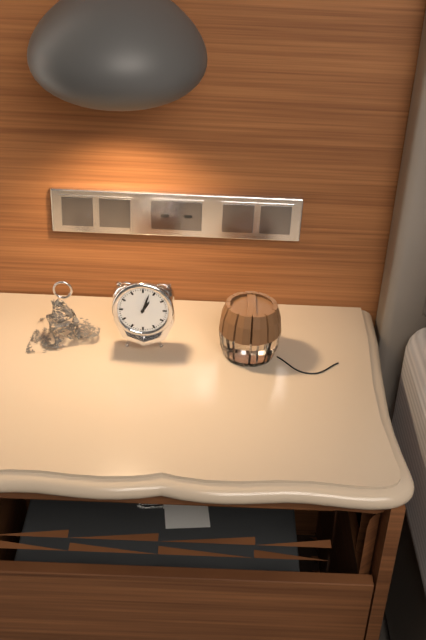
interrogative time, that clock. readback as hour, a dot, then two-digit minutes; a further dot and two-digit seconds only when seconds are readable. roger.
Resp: 1.03
